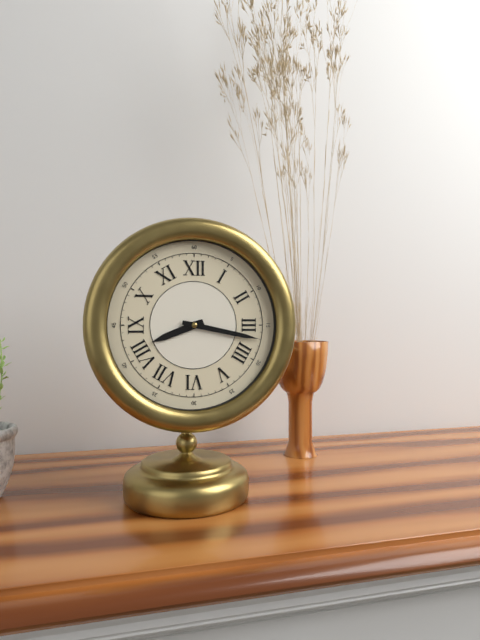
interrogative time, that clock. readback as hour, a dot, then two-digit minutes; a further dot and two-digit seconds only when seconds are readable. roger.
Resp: 8.17
